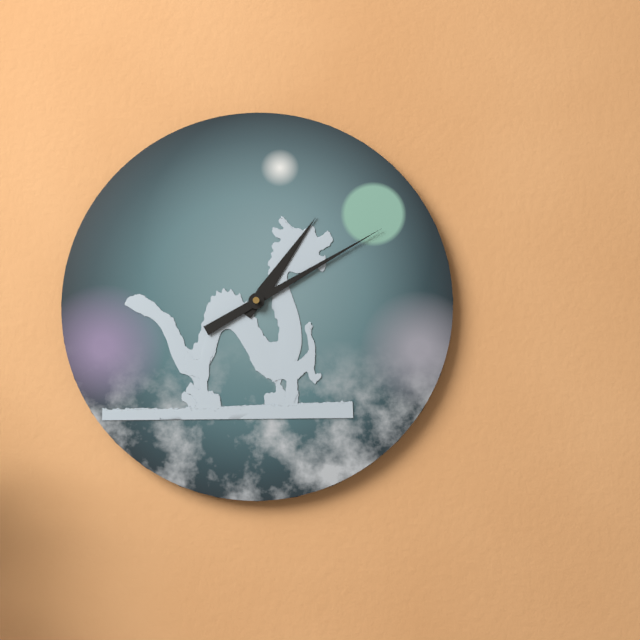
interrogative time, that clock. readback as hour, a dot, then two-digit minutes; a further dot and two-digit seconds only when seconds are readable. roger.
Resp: 1.10
